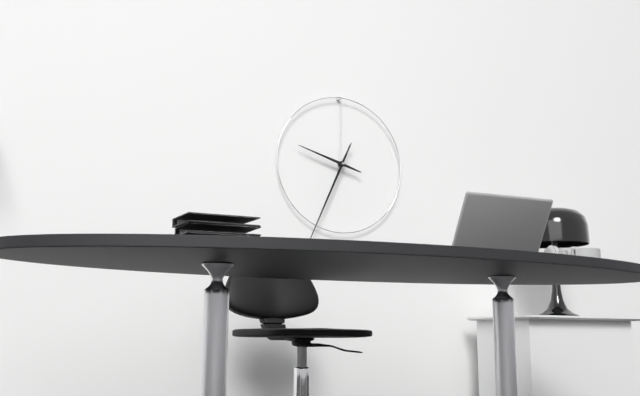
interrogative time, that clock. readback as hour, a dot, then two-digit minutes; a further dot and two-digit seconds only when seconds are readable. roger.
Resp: 9.34
